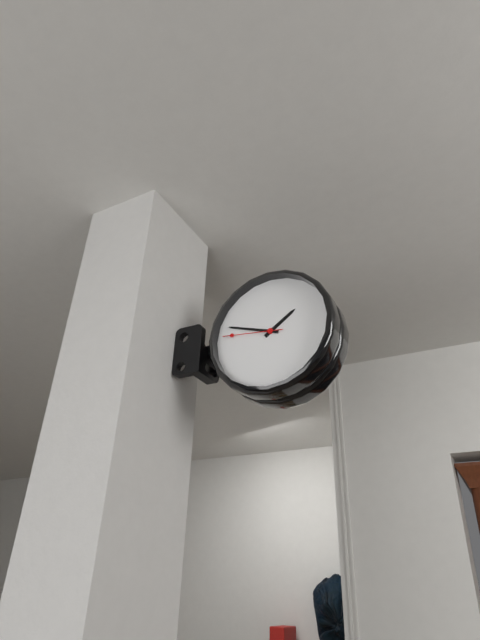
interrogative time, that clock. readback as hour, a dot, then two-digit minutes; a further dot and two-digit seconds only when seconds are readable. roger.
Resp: 1.48.46
